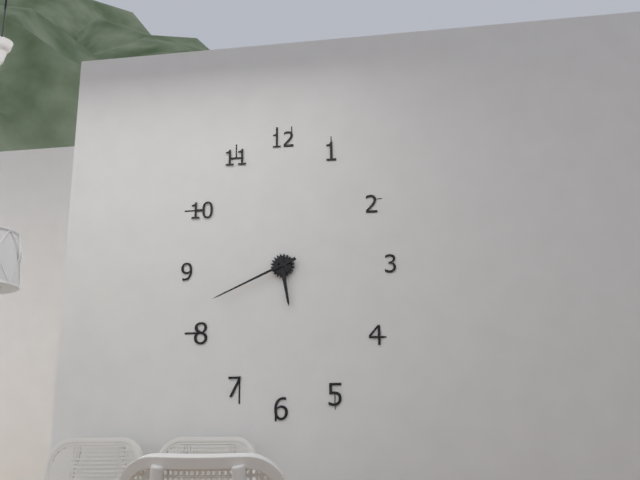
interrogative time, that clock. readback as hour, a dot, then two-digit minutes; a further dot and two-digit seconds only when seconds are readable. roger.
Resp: 5.41
